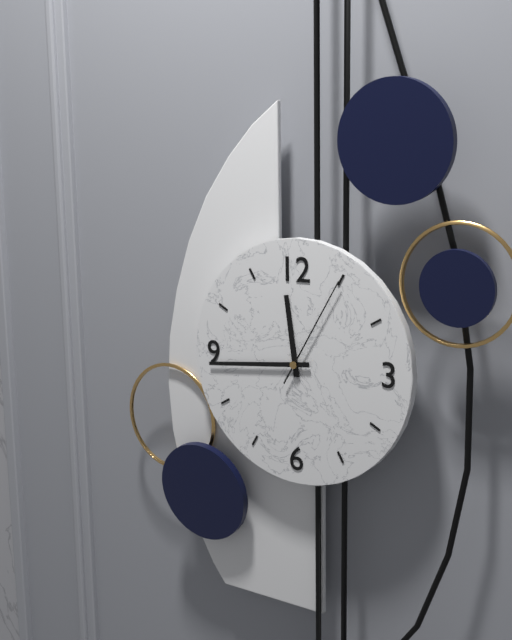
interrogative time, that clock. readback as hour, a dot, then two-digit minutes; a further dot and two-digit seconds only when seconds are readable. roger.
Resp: 11.44.05
